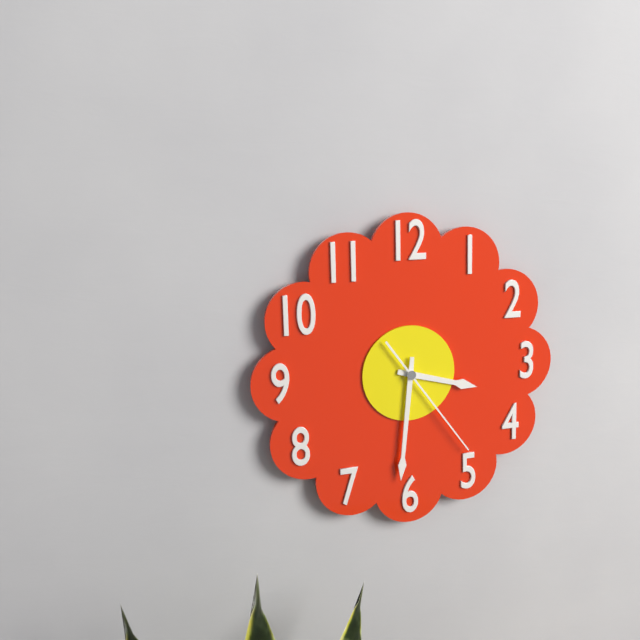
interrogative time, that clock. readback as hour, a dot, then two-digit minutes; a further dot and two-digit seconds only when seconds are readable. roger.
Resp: 3.31.24
